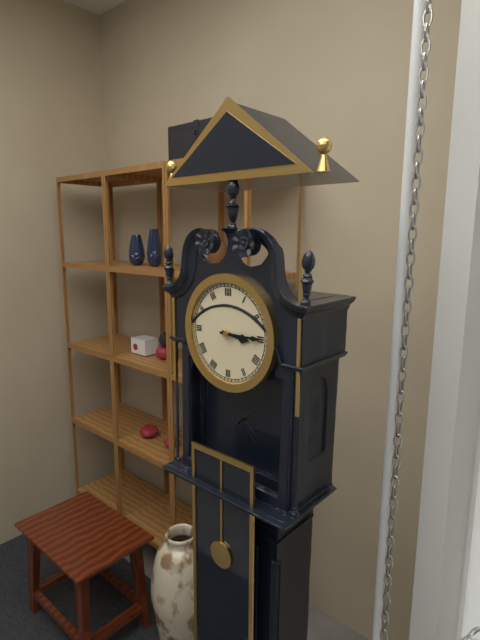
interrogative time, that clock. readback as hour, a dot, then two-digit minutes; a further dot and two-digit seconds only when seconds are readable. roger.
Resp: 3.15
